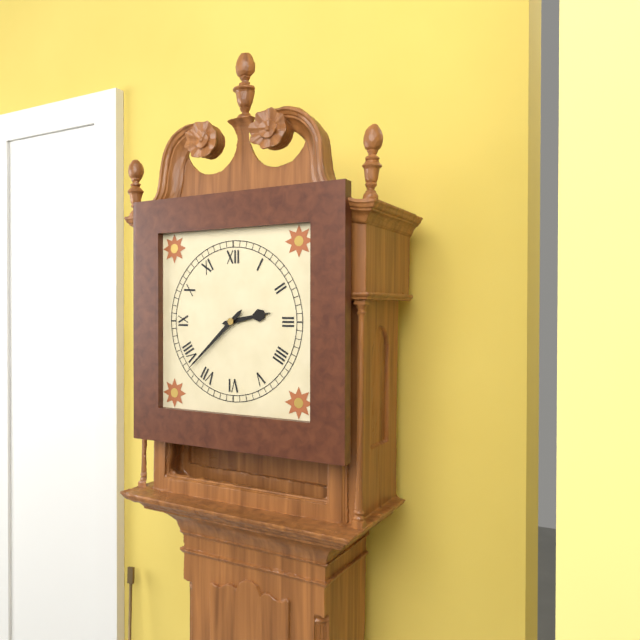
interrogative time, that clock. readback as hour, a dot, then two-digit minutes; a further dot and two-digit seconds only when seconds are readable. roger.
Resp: 2.38
